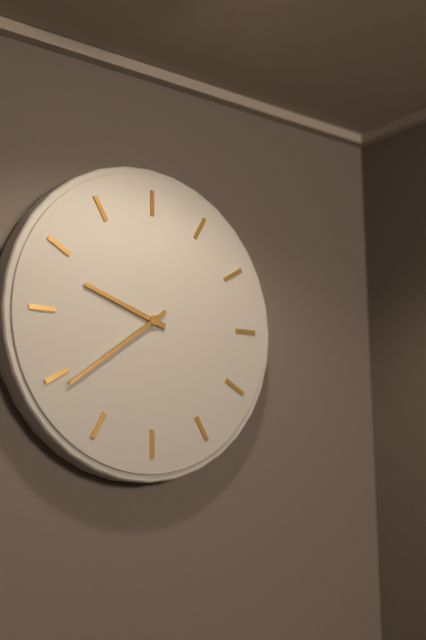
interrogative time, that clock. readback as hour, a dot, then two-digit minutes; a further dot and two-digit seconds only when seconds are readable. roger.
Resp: 9.39
